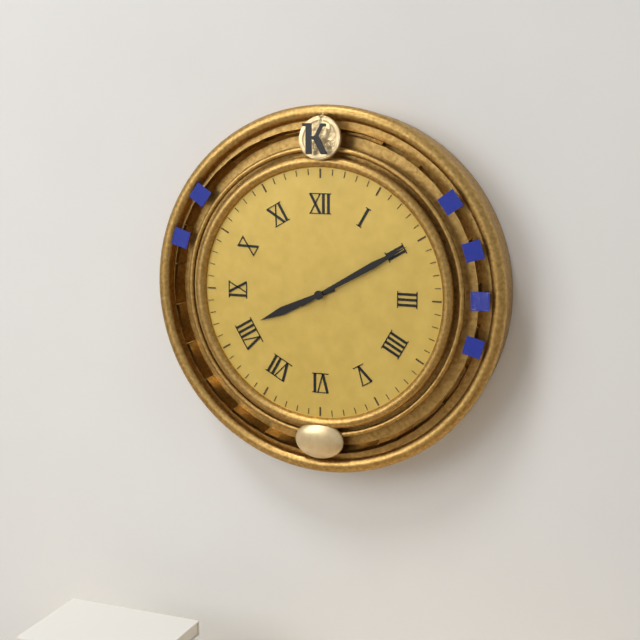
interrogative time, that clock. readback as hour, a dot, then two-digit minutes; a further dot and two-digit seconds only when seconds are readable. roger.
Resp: 8.10
